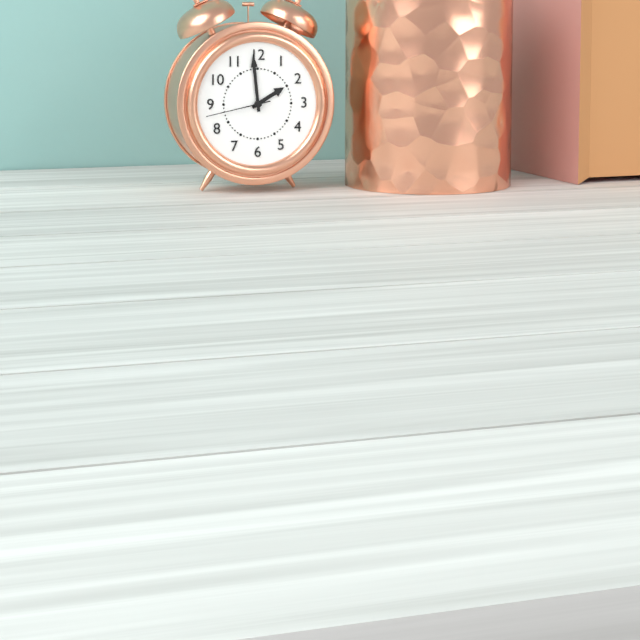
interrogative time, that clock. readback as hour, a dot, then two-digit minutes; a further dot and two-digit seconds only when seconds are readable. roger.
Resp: 1.59.43
